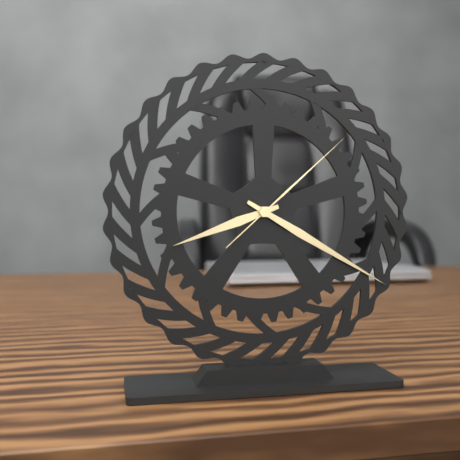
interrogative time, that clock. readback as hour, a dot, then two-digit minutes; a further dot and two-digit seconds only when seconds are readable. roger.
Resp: 8.20.08
